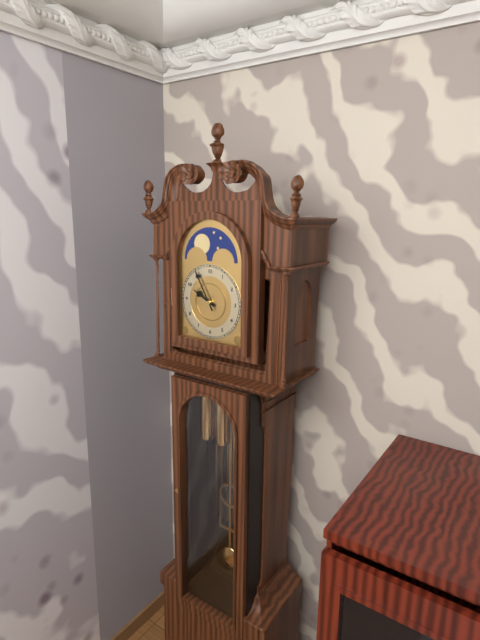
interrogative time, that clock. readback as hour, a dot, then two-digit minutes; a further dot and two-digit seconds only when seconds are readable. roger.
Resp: 9.55
